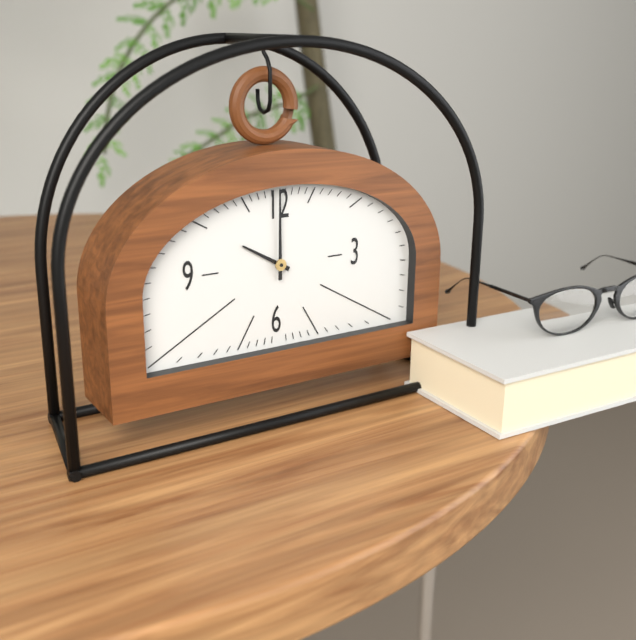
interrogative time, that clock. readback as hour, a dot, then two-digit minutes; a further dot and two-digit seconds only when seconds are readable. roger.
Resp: 10.00
